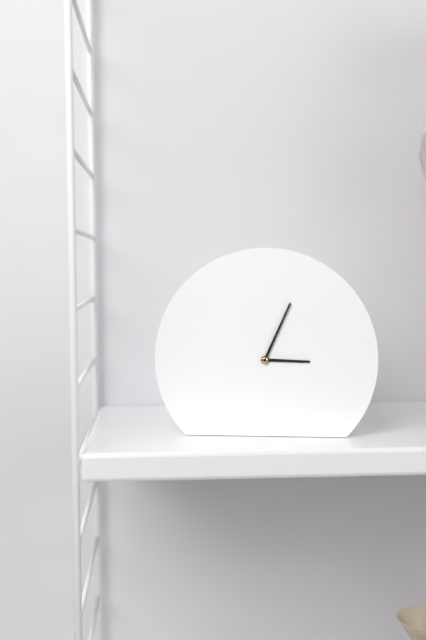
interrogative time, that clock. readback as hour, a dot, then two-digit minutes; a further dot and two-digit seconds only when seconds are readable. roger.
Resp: 3.04
